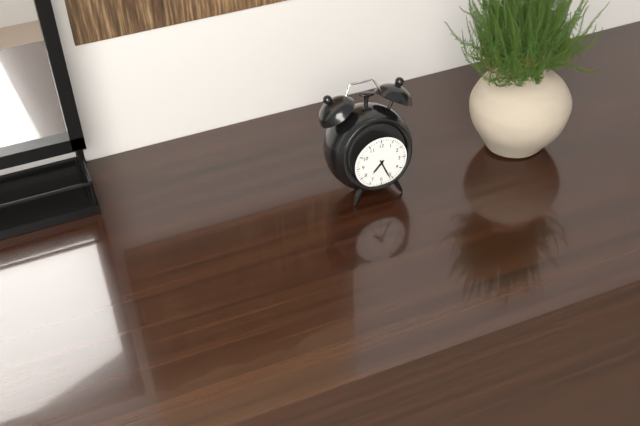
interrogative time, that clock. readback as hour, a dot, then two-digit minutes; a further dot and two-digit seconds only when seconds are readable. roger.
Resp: 7.26
